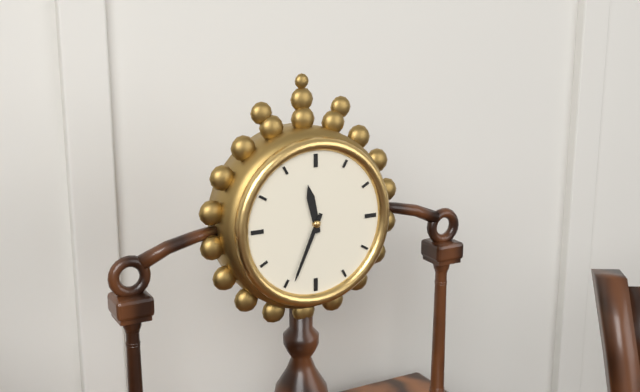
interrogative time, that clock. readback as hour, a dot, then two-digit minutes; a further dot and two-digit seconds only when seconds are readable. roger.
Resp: 11.34
